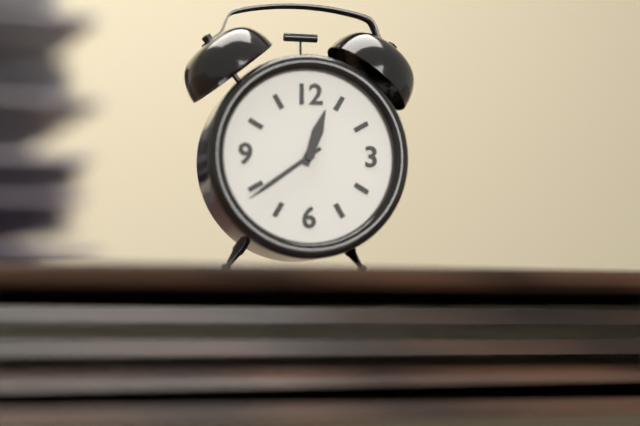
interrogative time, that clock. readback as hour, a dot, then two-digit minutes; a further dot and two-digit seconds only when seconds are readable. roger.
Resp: 12.39
